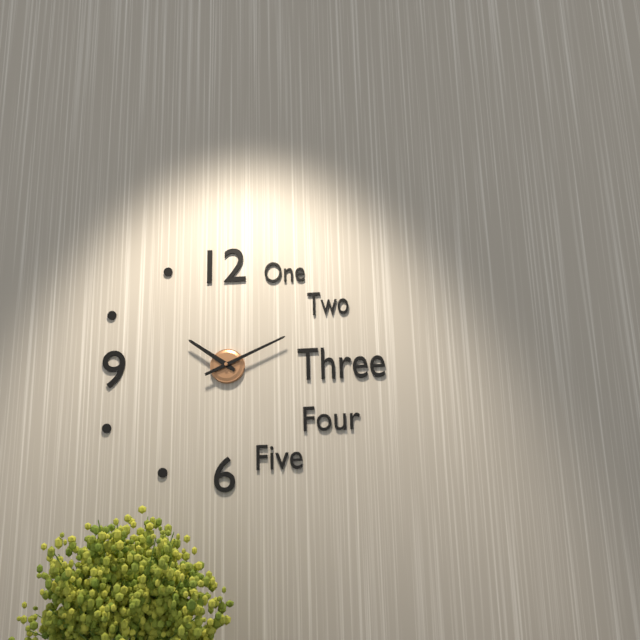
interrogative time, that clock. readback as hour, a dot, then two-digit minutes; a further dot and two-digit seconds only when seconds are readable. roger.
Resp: 10.11
